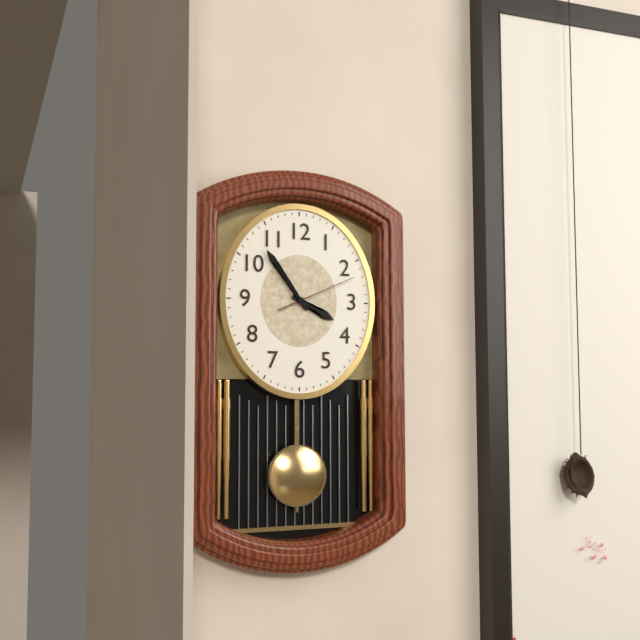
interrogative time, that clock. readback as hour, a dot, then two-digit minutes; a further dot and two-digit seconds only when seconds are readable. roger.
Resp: 3.54.11
